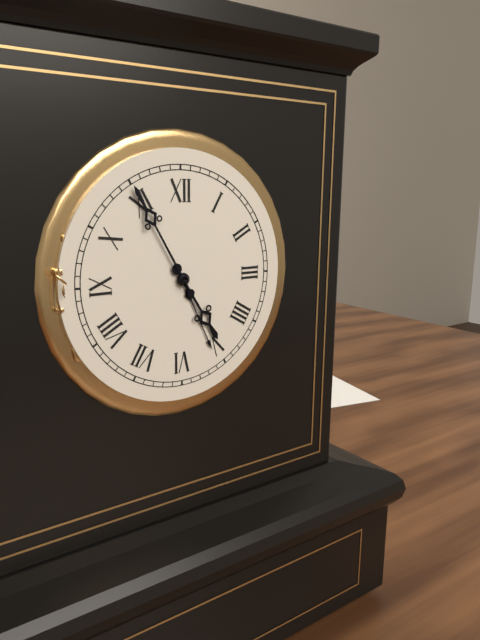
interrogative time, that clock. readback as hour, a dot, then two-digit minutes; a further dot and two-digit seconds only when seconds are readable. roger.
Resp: 4.55
